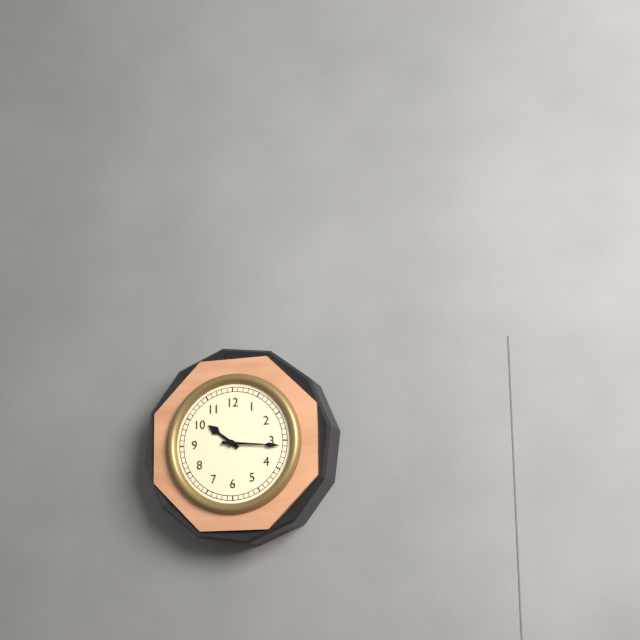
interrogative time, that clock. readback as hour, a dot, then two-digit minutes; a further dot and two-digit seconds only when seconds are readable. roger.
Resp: 10.16
